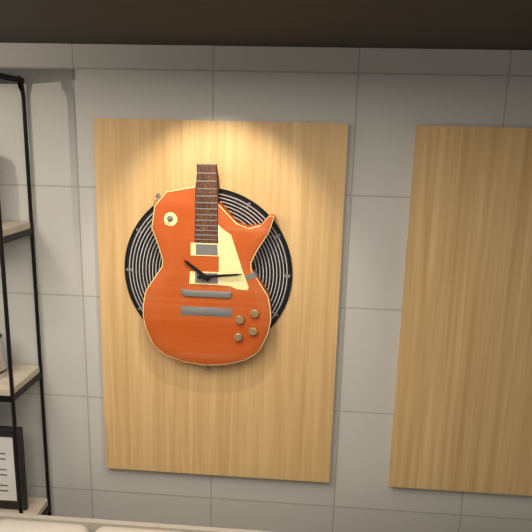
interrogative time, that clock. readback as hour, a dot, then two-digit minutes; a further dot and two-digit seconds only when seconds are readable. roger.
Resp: 10.14
